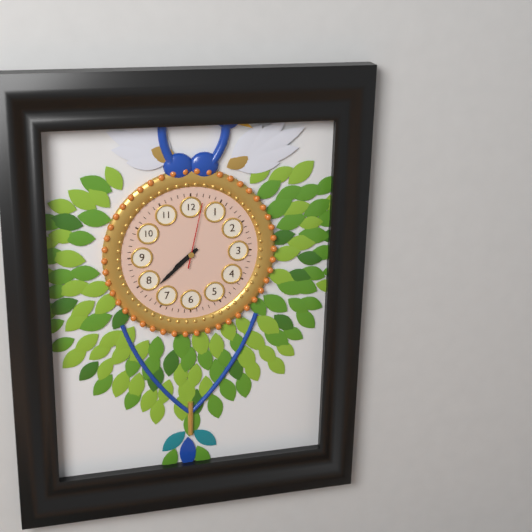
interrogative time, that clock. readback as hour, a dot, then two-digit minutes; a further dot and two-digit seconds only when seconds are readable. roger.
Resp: 7.38.02
